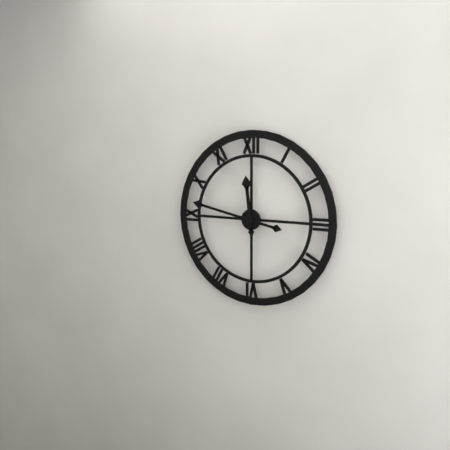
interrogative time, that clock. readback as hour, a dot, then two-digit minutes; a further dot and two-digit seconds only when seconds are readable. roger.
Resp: 11.47
